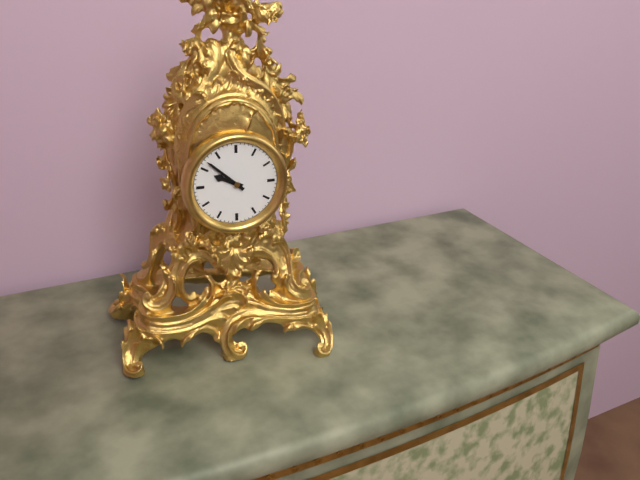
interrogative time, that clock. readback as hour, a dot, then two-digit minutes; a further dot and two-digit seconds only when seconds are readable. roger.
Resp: 9.52
